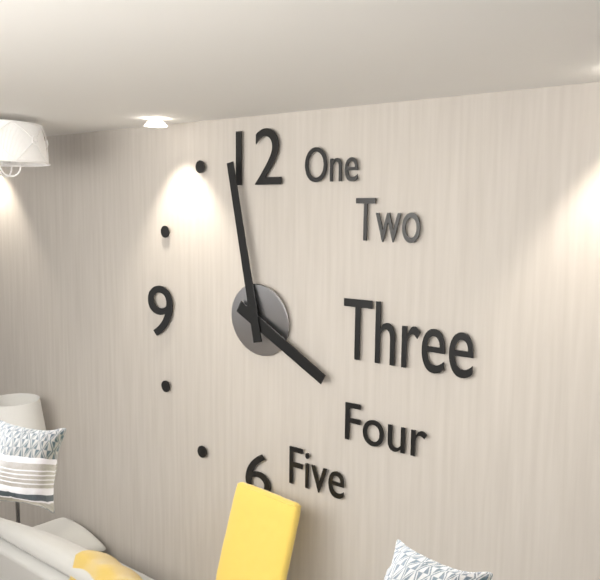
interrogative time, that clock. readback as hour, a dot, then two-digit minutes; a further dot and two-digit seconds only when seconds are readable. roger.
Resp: 3.58
